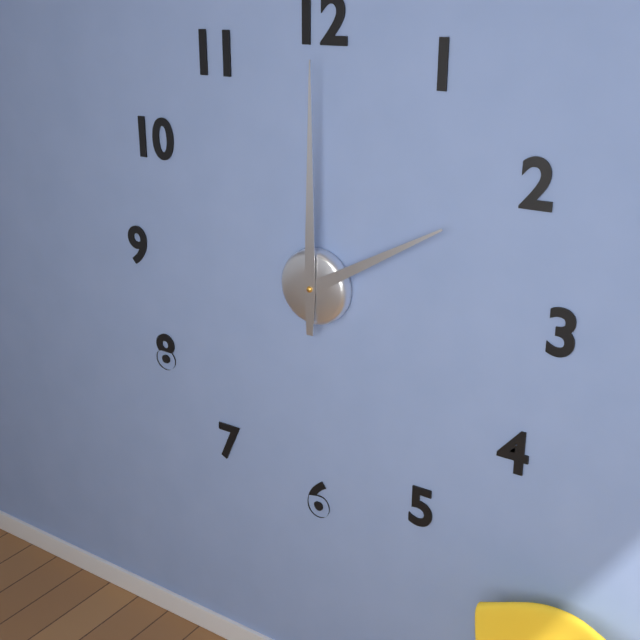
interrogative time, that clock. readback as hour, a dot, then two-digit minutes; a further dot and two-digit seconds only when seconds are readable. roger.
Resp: 2.00
